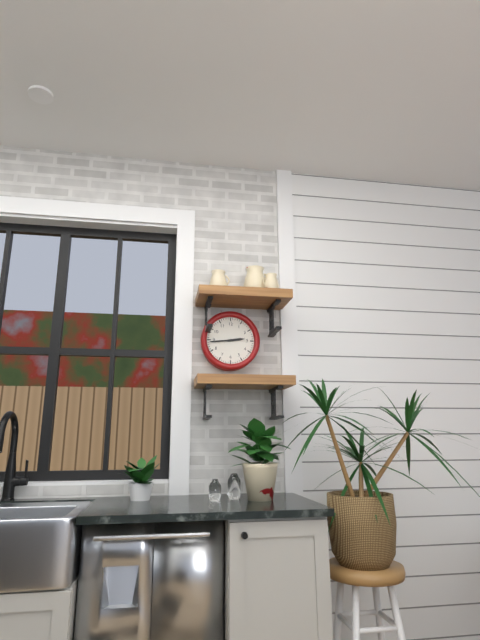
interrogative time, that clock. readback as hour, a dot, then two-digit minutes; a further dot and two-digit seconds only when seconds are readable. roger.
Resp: 2.44
